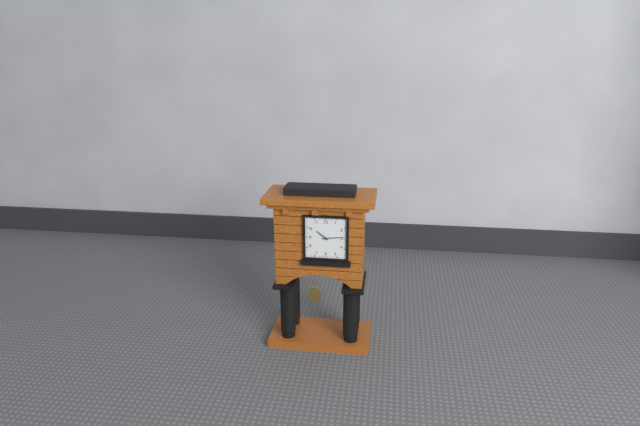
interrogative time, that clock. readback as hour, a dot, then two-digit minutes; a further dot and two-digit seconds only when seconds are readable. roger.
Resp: 10.14
